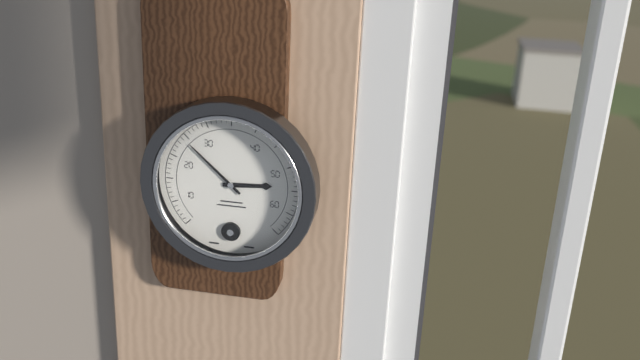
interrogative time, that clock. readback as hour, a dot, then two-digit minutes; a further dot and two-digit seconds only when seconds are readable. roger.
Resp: 2.52
